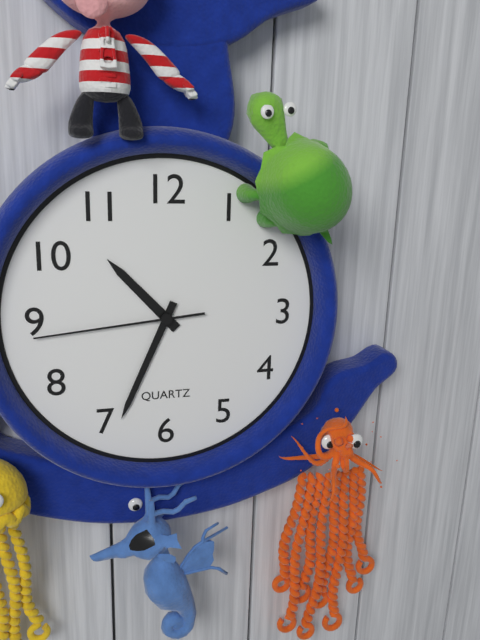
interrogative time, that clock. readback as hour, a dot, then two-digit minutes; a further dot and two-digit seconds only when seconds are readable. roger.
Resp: 10.34.44
